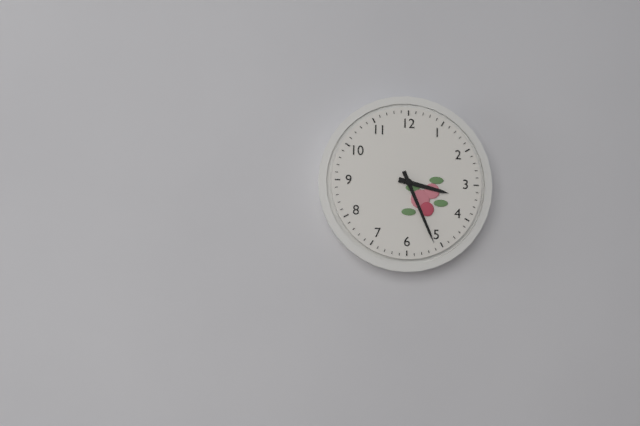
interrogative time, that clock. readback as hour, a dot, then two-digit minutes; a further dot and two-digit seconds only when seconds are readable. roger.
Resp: 3.26
